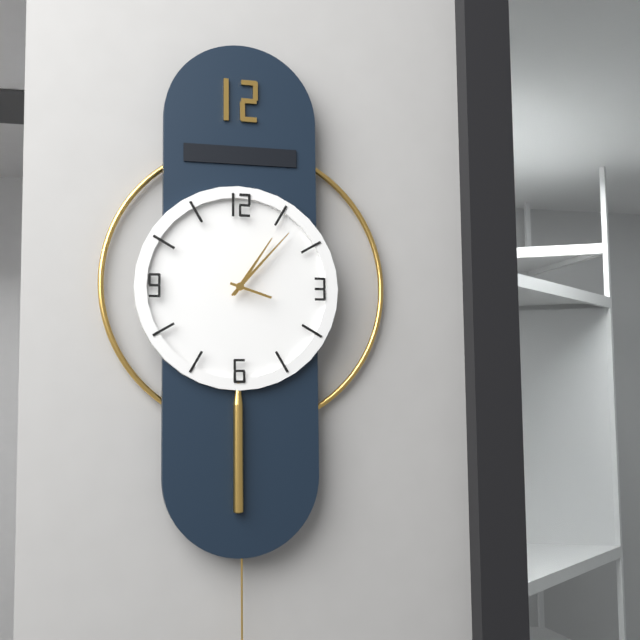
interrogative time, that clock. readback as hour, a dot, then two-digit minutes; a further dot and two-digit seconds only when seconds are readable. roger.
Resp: 1.07
